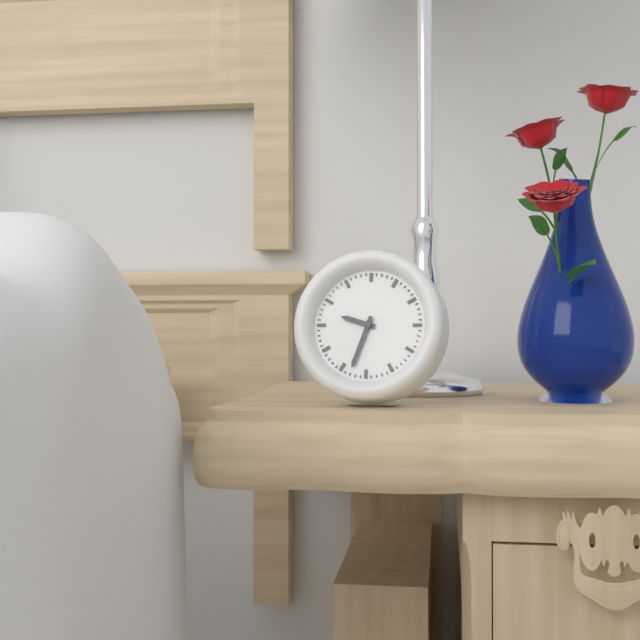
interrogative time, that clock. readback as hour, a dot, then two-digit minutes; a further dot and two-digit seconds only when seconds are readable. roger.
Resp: 9.33
